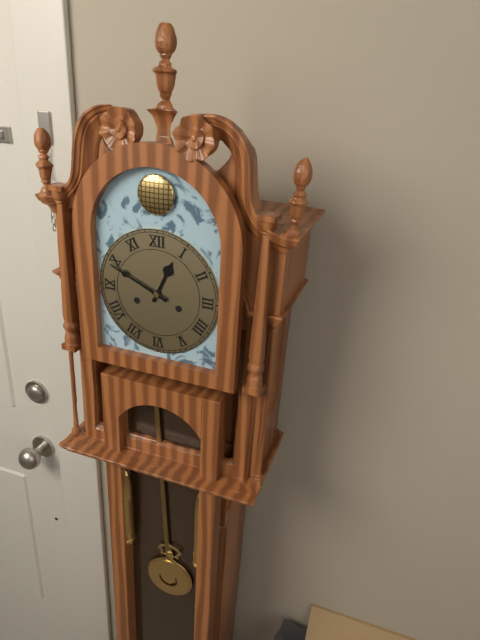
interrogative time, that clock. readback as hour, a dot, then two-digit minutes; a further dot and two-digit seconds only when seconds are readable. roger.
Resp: 12.49
